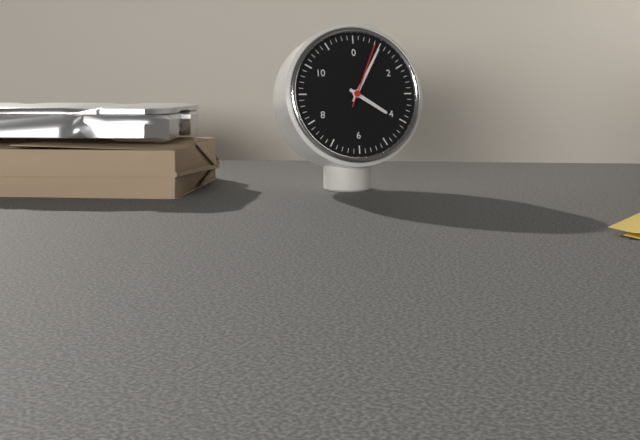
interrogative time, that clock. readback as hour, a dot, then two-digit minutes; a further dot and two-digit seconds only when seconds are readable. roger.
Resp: 4.05.04
